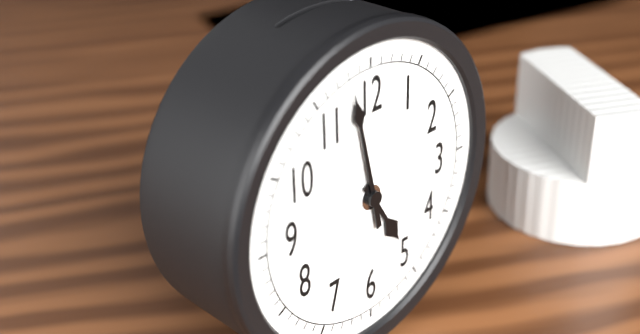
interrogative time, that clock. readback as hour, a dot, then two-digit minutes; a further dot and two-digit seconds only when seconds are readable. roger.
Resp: 4.58
